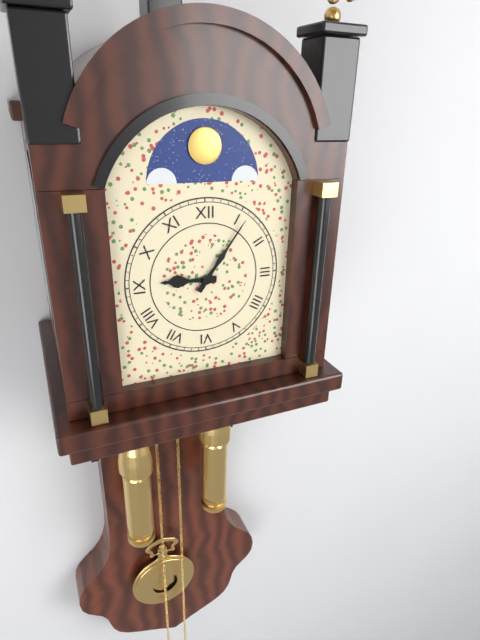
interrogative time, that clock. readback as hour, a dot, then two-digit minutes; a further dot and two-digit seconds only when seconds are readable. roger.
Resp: 9.06
